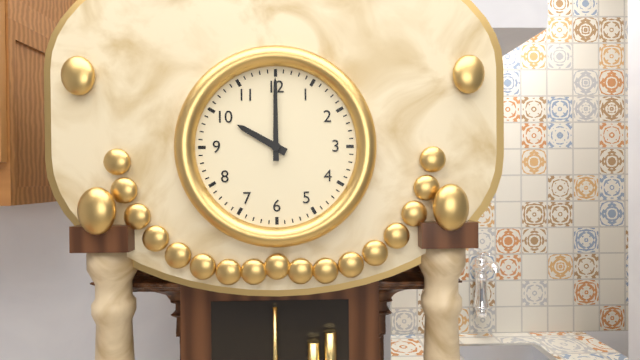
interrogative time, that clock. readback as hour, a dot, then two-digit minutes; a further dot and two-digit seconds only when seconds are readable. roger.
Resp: 10.00
